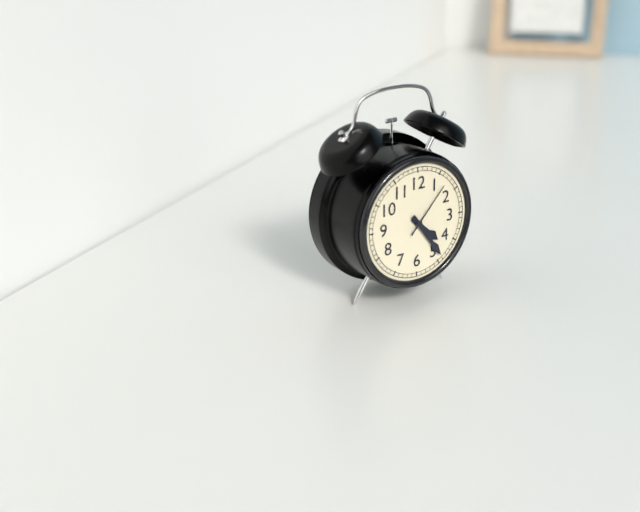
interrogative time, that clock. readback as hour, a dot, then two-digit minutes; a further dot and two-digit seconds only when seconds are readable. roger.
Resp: 4.24.07
